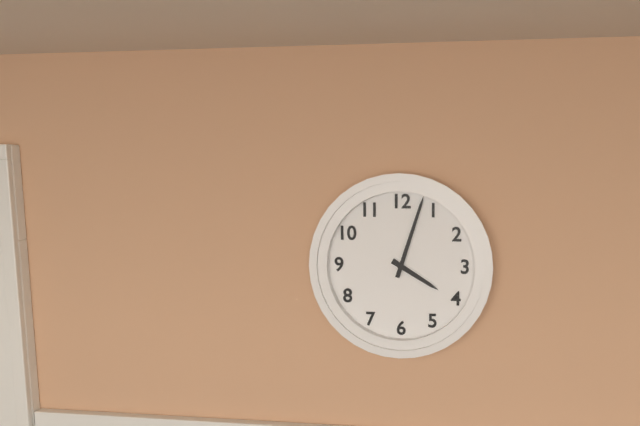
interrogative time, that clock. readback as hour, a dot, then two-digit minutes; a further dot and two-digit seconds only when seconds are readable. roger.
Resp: 4.03
